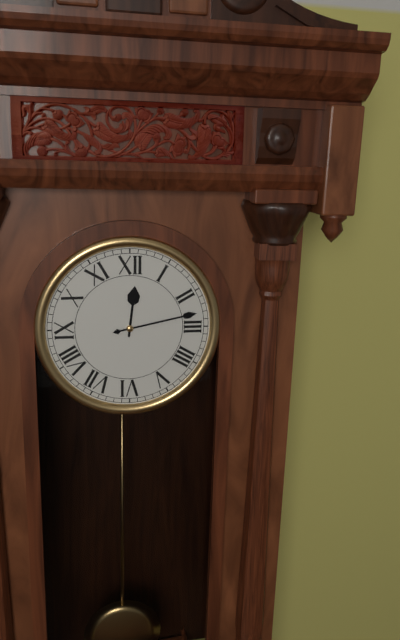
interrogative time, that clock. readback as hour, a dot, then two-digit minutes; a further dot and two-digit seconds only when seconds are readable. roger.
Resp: 12.13
